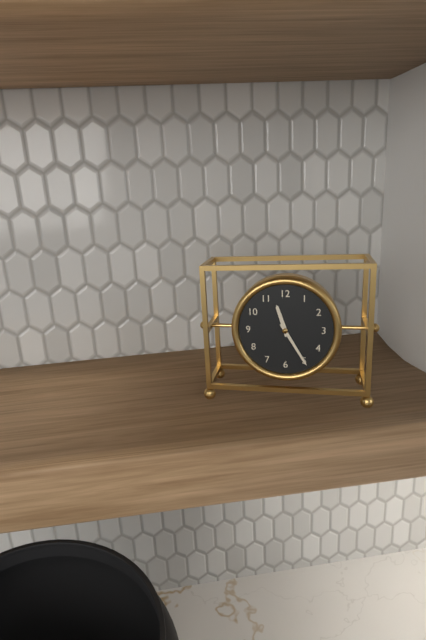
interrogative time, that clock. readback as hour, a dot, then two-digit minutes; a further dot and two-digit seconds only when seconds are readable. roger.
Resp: 11.25
